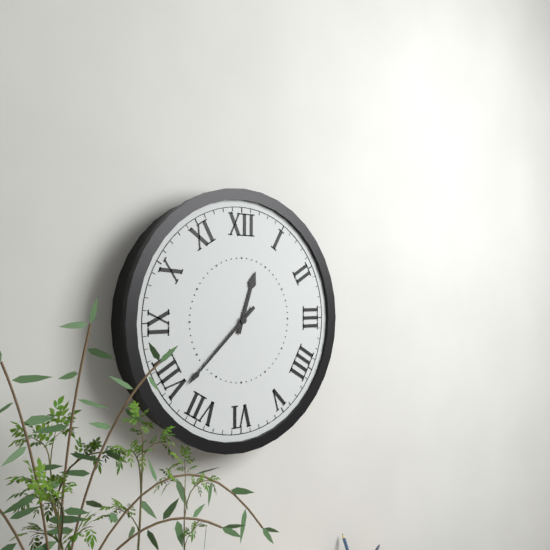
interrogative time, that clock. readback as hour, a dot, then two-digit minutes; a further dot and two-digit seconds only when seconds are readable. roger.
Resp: 12.38
